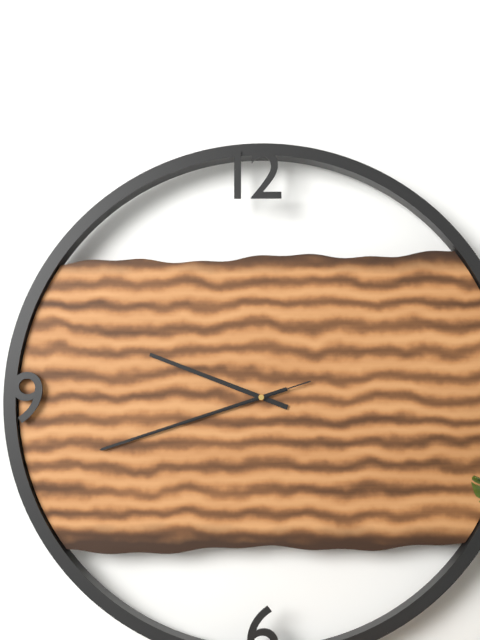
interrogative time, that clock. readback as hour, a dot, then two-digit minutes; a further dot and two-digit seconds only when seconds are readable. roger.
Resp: 9.42.42
